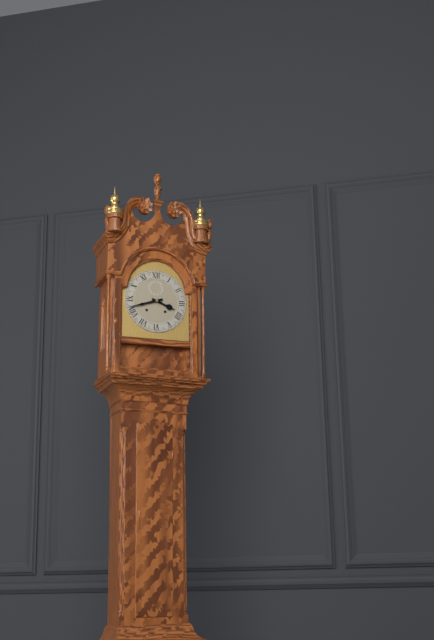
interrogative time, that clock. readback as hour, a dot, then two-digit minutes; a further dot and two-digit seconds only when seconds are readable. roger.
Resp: 3.42
